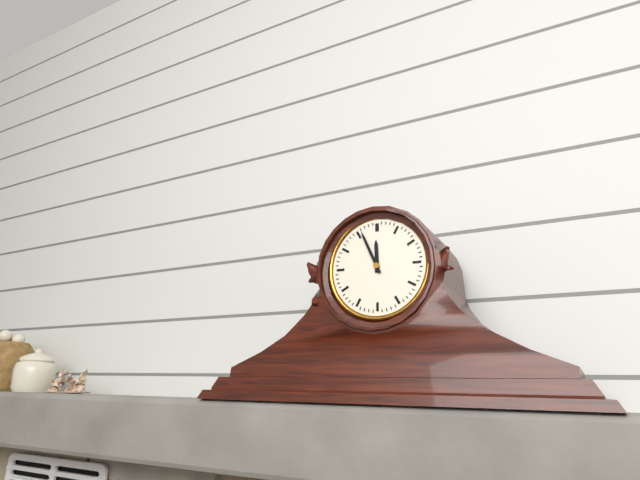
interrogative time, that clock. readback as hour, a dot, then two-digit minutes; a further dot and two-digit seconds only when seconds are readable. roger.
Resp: 11.56
